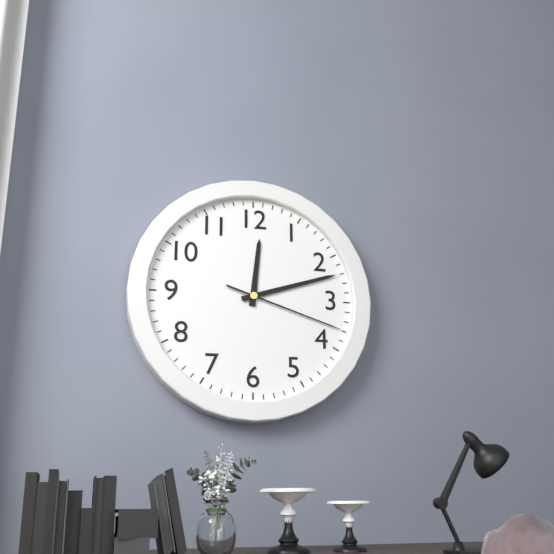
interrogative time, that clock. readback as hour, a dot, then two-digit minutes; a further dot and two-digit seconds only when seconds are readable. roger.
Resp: 12.12.18
